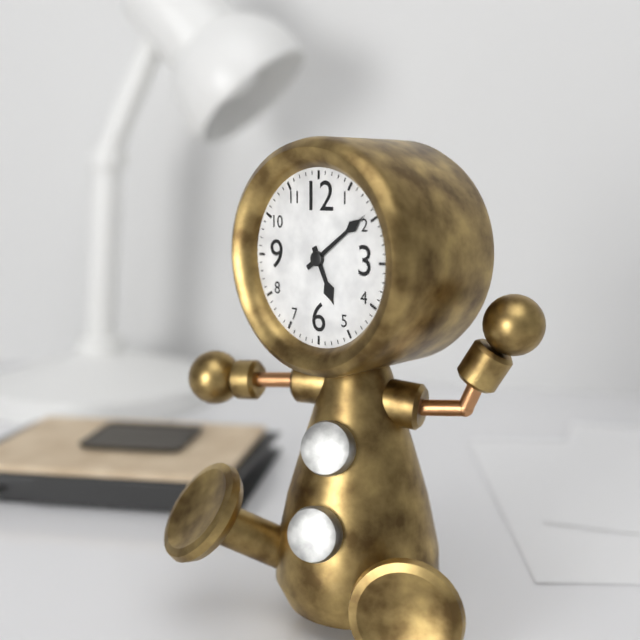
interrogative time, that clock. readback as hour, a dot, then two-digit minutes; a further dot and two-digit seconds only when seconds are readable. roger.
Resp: 5.09
